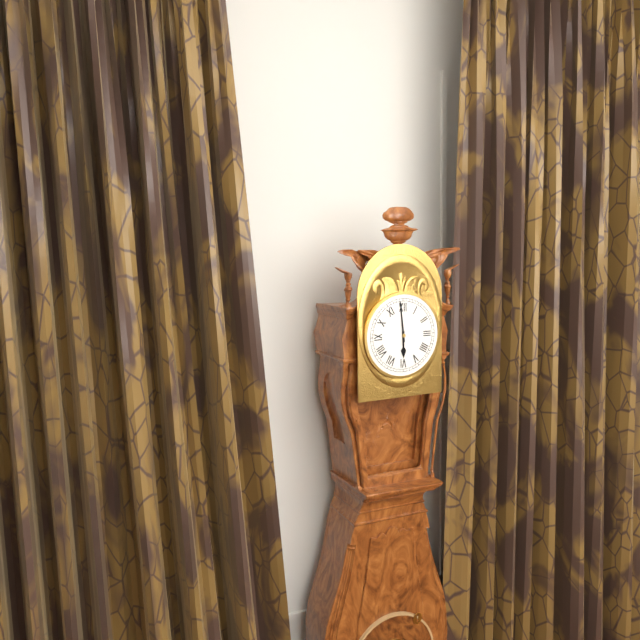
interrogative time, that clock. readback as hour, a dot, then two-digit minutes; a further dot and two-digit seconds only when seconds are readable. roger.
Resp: 5.59
